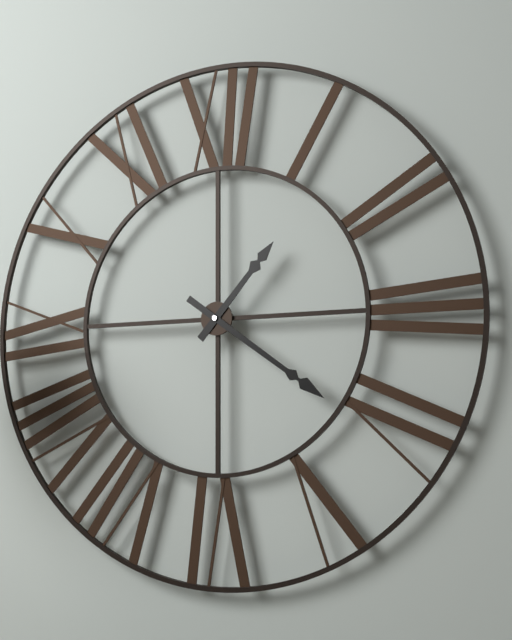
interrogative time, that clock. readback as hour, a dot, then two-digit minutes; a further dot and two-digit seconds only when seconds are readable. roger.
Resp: 1.21
